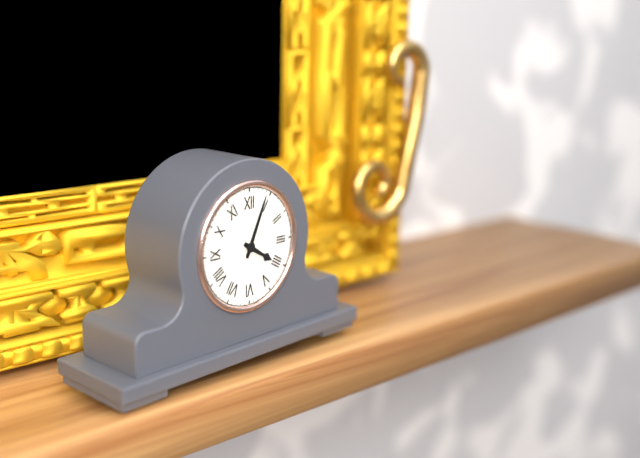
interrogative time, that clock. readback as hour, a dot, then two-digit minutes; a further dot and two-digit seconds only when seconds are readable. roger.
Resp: 4.04
